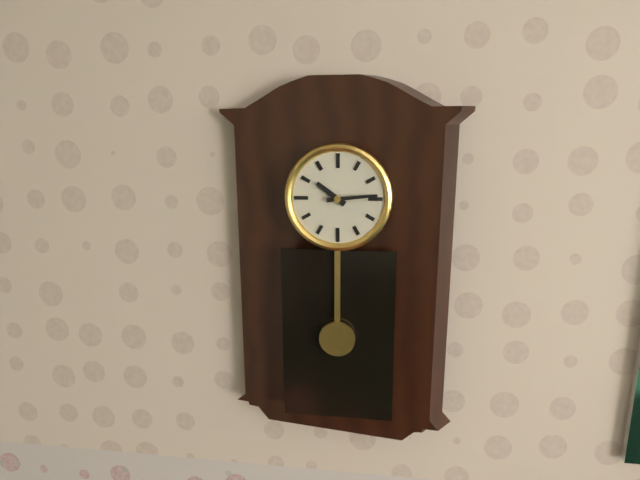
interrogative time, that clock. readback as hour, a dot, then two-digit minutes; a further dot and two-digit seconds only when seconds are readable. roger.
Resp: 10.14
